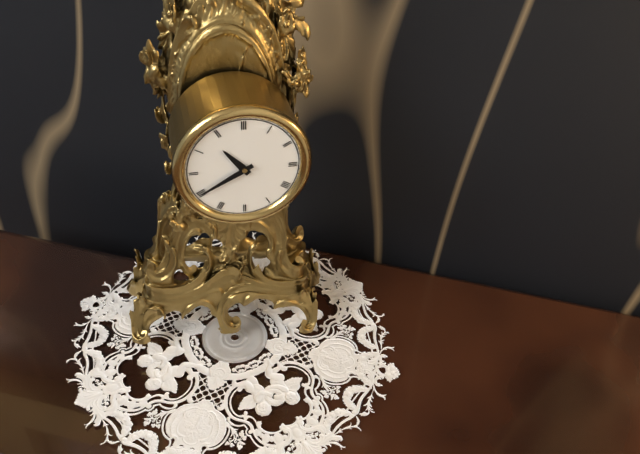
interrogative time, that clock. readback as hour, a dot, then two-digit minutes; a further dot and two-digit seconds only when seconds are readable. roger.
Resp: 10.40
